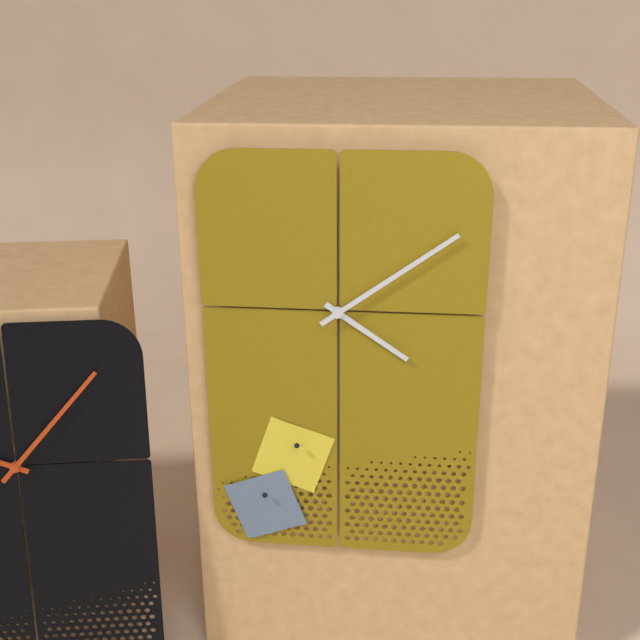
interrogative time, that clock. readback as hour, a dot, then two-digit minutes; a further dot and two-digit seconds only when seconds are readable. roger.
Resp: 4.09
